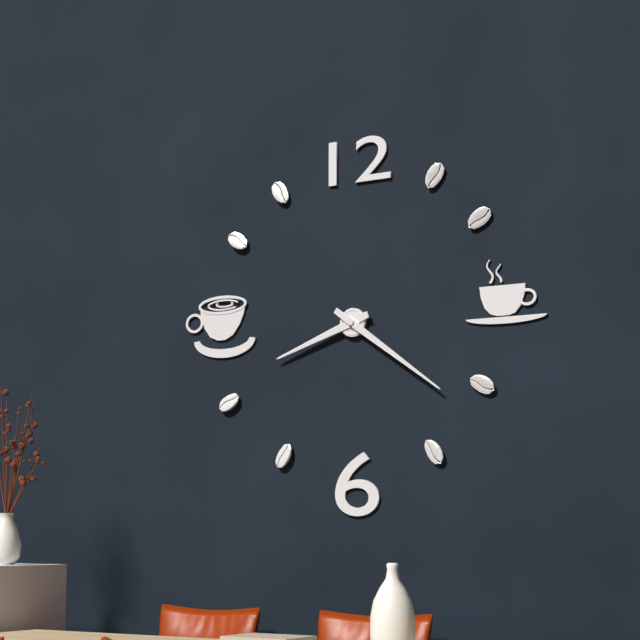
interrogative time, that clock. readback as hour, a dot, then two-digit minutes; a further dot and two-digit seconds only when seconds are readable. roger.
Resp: 8.21
